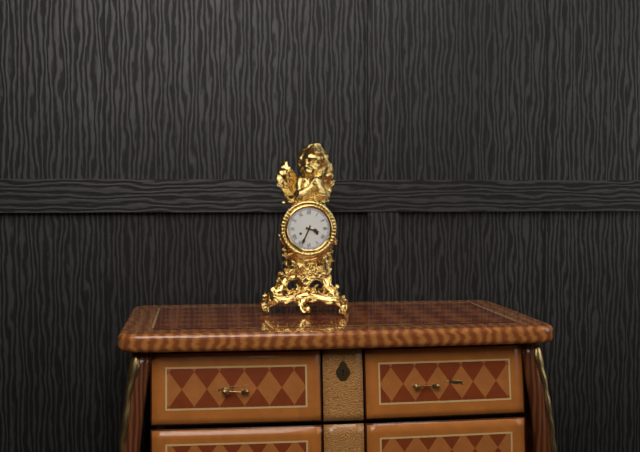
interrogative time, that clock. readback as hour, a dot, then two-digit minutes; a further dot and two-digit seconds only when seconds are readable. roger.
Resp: 3.34
